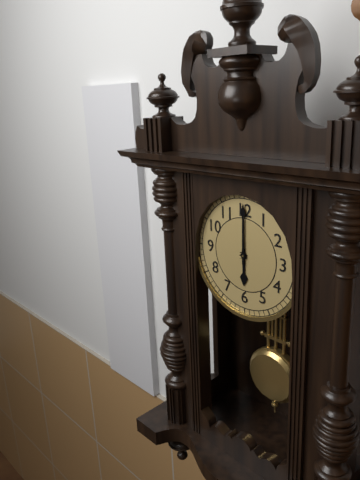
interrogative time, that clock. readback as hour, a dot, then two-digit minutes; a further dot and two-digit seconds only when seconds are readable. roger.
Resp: 6.00
